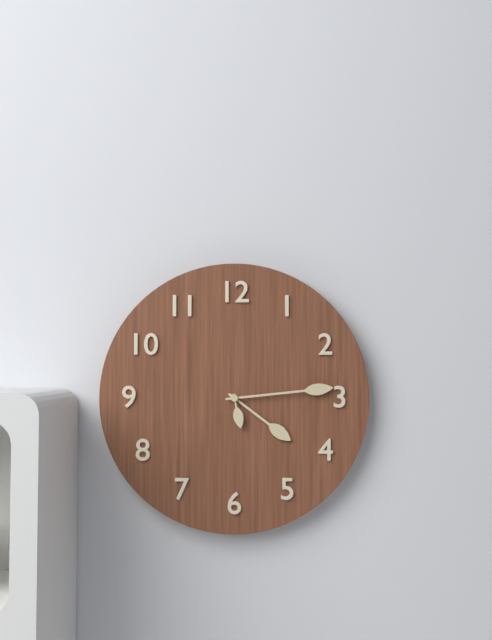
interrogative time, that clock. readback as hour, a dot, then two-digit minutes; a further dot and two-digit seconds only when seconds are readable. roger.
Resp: 4.14
